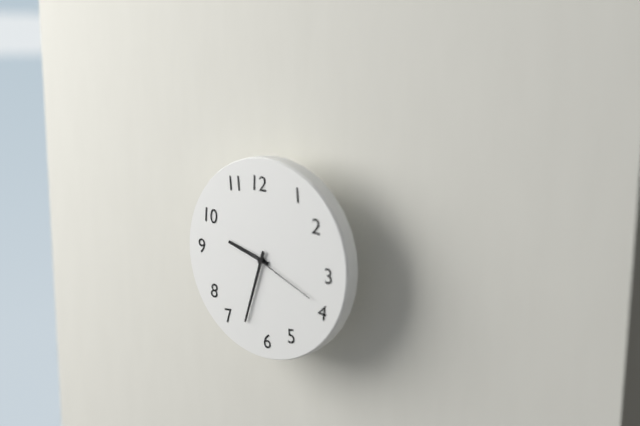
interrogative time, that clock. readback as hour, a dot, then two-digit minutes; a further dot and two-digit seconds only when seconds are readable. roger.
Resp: 9.33.19
